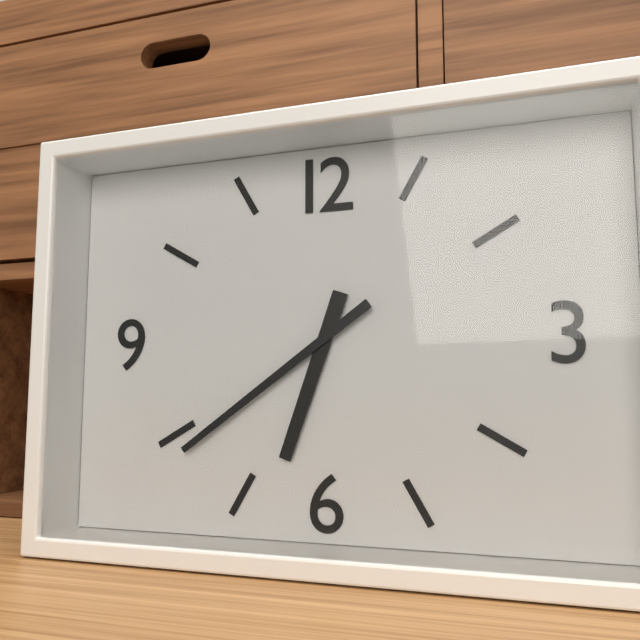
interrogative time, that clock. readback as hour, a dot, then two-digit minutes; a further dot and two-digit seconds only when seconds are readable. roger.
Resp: 6.39
